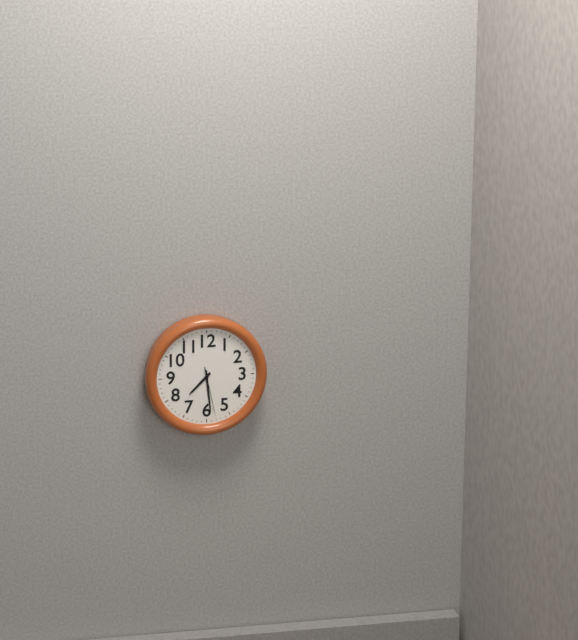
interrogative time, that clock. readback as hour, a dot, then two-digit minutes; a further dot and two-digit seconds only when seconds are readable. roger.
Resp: 7.29.28
